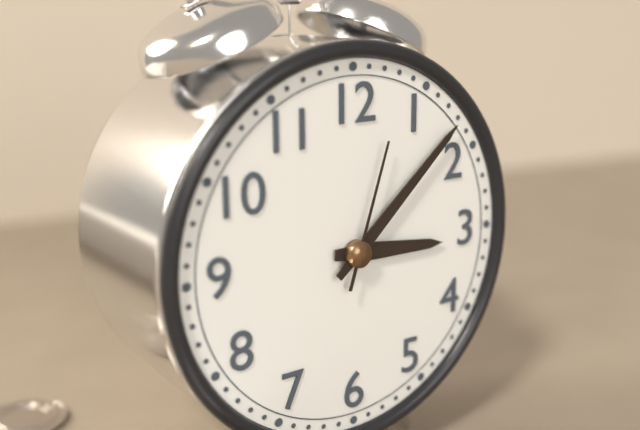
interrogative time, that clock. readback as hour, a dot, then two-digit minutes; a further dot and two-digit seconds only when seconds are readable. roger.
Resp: 3.08.03
